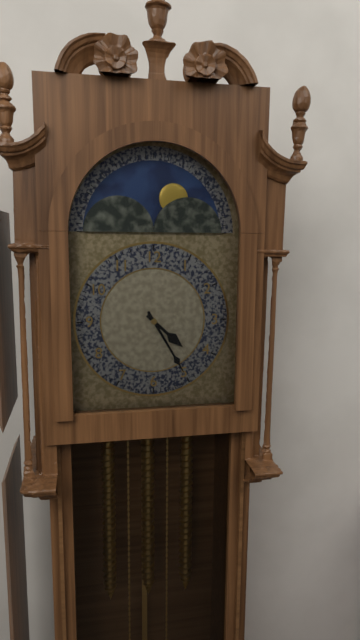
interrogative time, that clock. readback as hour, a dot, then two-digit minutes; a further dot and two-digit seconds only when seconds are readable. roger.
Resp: 4.25
